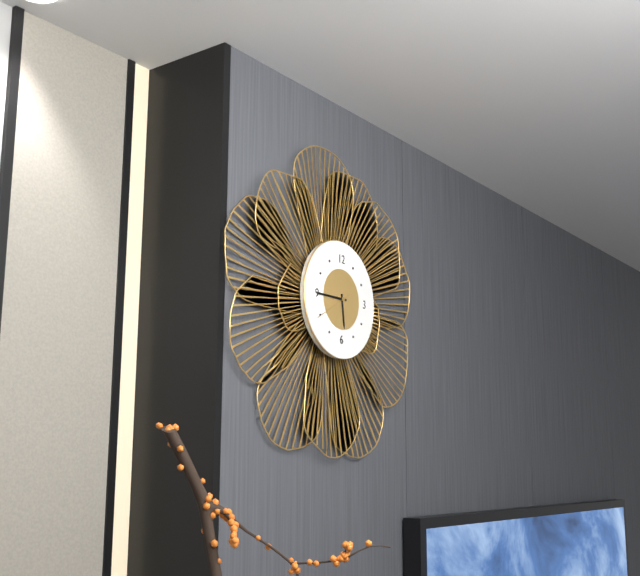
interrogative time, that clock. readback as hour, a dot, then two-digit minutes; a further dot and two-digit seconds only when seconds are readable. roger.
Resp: 5.45
